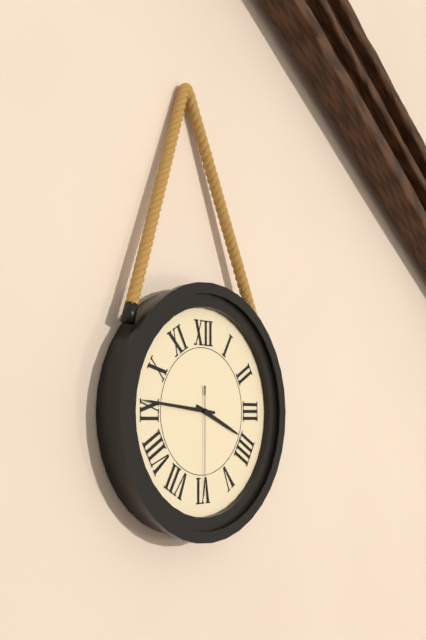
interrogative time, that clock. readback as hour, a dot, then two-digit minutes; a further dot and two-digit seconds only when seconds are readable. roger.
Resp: 3.46.30
